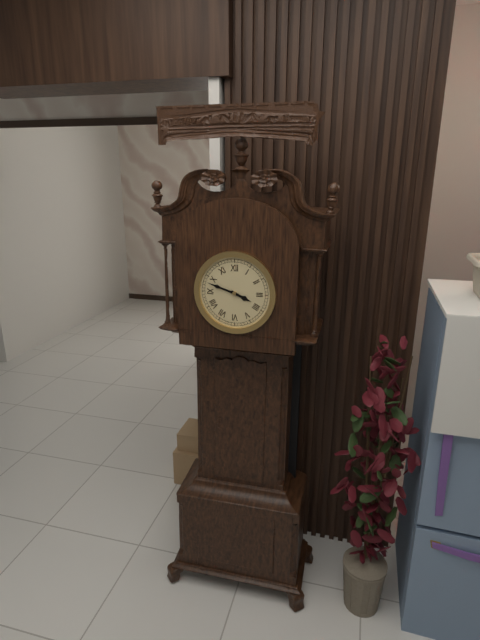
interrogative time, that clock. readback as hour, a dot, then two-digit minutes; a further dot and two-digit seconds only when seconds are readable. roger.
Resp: 3.48
